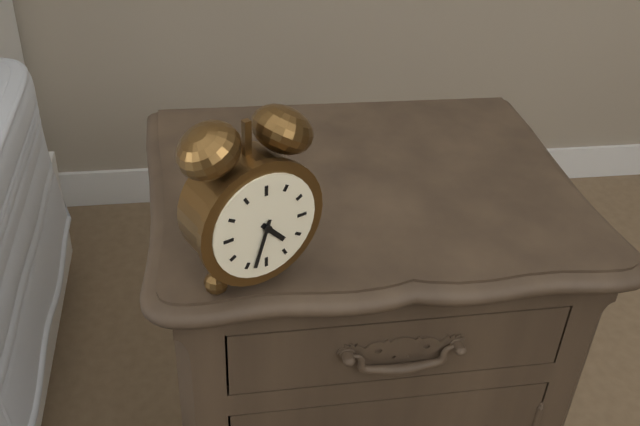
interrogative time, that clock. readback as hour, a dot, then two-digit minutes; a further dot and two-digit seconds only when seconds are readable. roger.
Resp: 4.33
